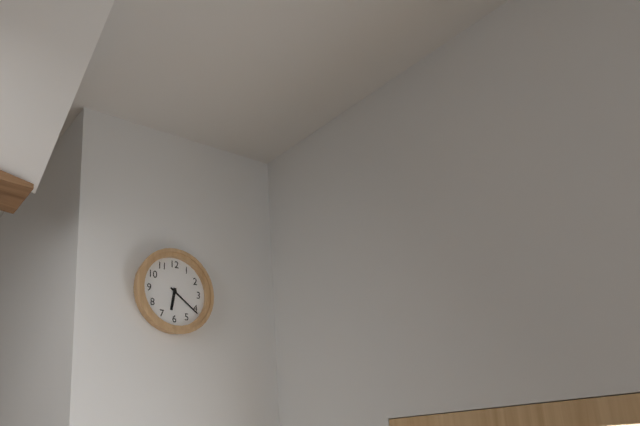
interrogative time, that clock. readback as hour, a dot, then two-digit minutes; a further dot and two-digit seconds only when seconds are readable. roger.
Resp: 6.21
